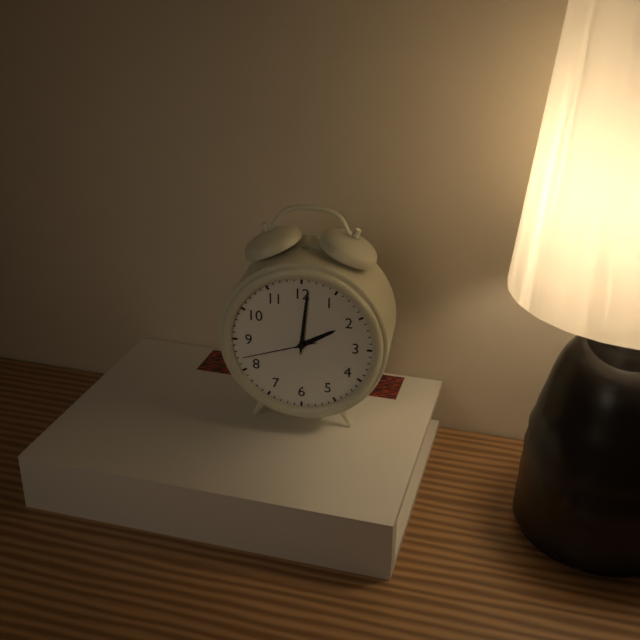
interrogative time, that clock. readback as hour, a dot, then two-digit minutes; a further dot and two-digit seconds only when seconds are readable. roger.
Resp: 2.01.42
